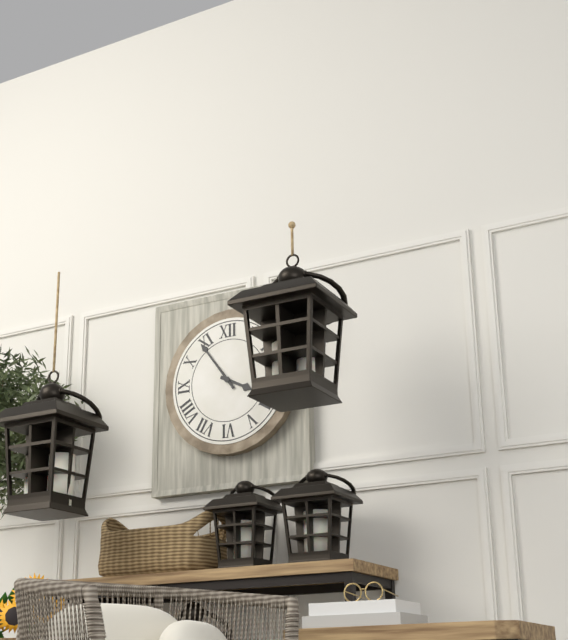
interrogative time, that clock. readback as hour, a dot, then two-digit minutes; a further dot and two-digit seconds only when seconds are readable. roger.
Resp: 3.54
